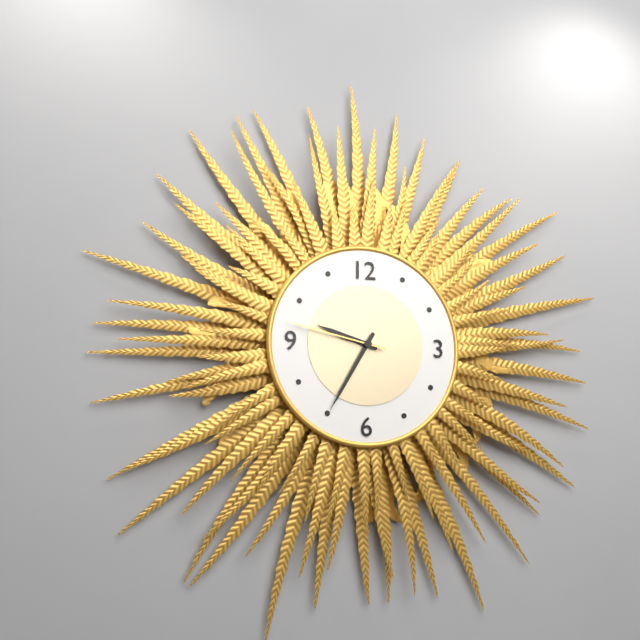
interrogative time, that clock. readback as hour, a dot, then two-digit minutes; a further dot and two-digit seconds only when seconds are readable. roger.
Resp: 9.35.47
